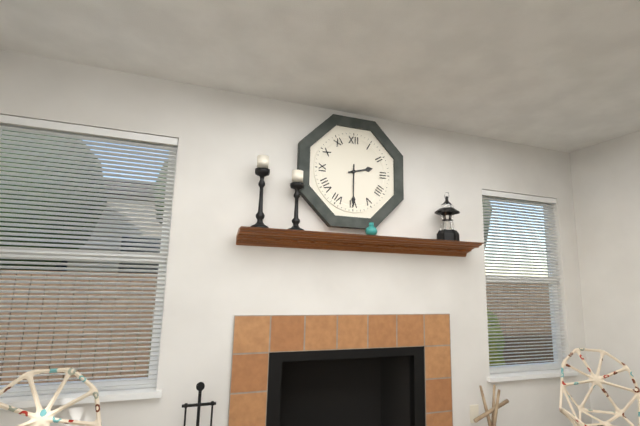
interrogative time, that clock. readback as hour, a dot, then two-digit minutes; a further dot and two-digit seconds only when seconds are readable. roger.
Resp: 2.30
